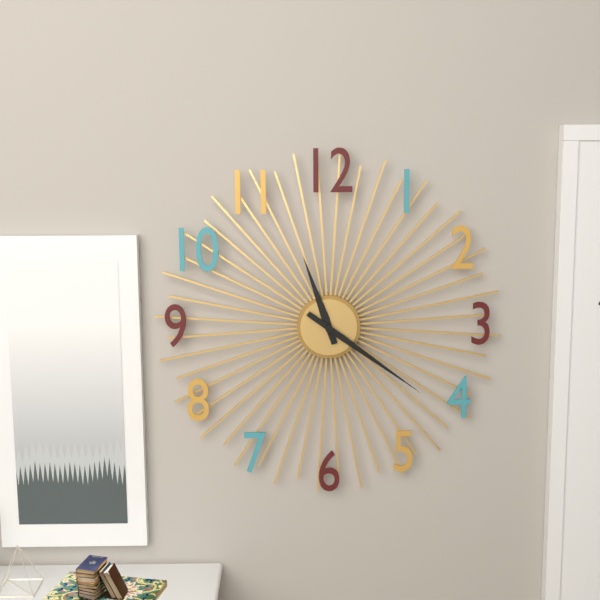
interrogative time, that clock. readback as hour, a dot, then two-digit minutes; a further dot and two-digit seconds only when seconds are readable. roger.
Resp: 11.21
